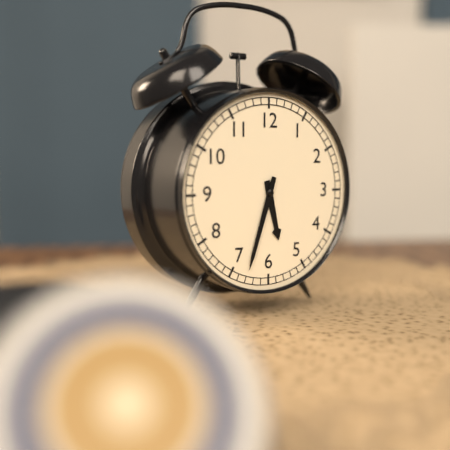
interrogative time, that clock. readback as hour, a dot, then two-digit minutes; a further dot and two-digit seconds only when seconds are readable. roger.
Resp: 5.33
